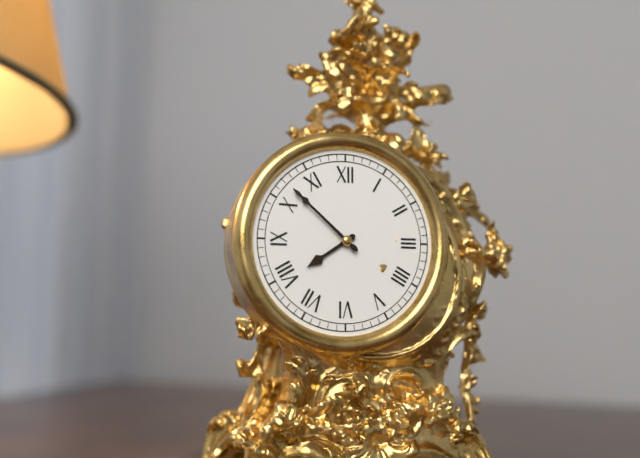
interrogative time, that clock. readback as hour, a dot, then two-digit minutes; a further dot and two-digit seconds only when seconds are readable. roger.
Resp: 7.52
